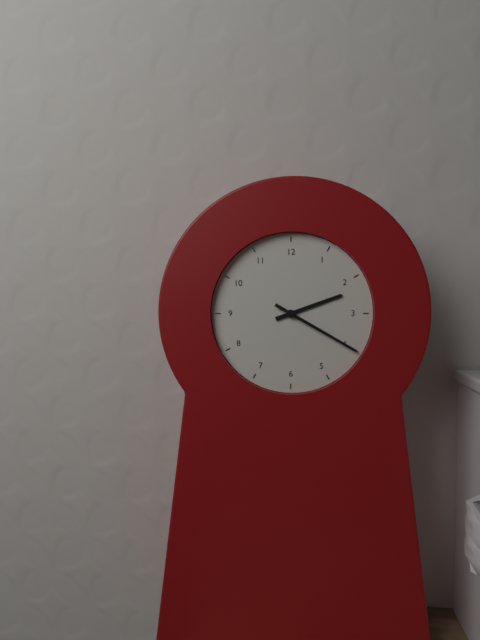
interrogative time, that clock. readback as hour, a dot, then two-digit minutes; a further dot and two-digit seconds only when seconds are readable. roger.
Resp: 2.20
